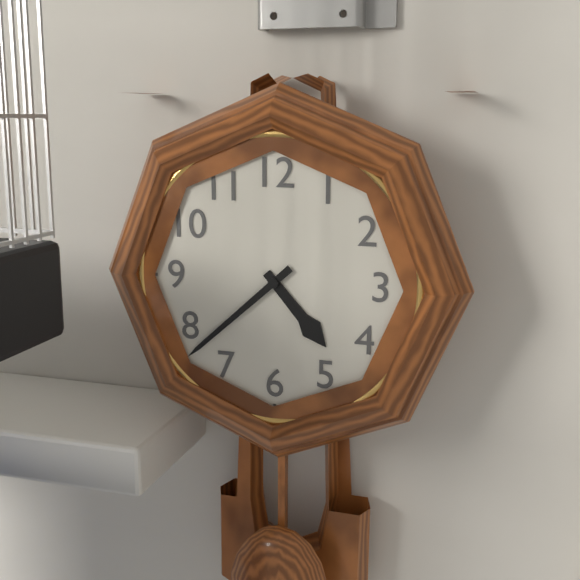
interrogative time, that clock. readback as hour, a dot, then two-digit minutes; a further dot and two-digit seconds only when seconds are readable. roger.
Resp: 4.38
